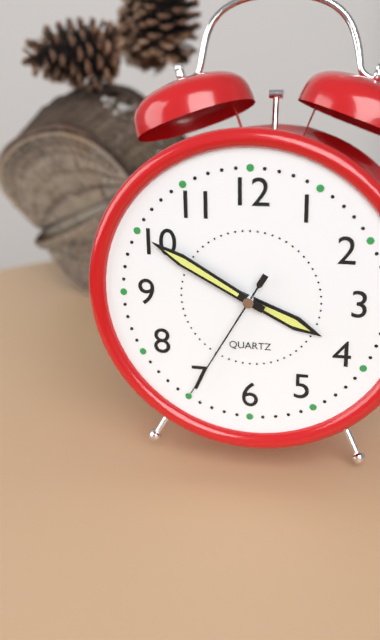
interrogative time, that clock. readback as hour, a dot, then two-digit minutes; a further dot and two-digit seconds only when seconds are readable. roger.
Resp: 3.50.35
